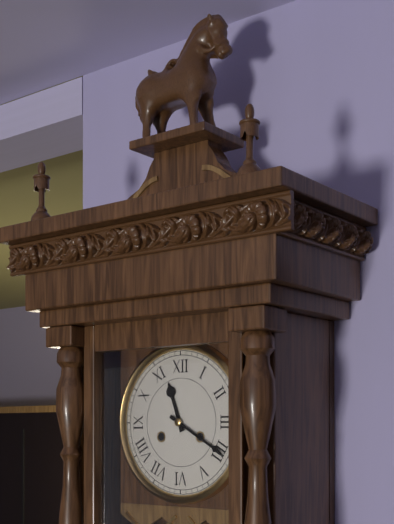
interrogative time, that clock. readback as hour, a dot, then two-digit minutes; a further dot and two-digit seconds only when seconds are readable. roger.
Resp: 11.20
